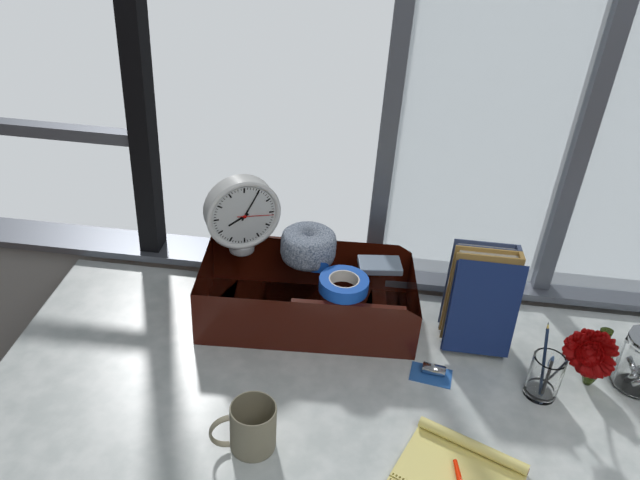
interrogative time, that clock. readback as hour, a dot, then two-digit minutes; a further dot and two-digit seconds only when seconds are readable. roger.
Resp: 8.05
